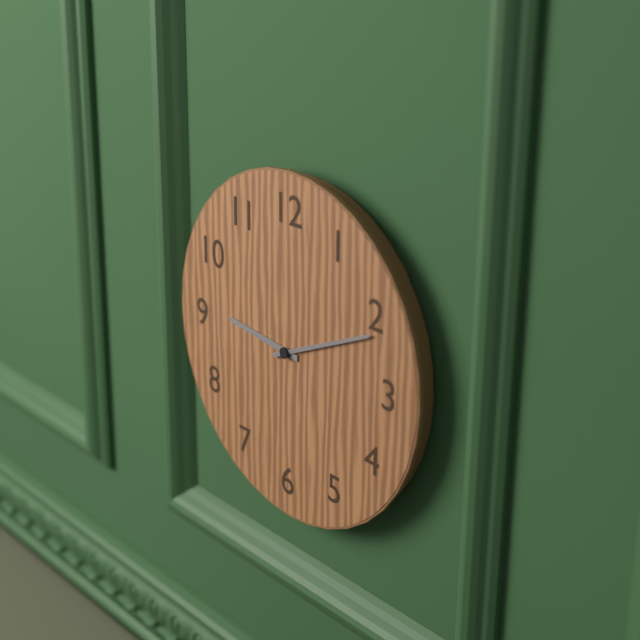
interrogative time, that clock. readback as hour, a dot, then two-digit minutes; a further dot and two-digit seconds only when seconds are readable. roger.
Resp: 9.11
